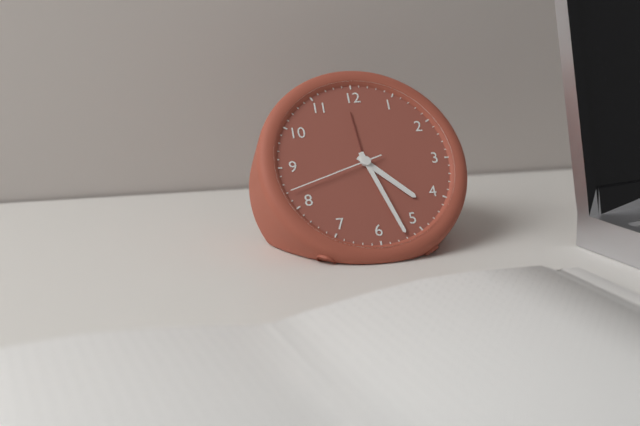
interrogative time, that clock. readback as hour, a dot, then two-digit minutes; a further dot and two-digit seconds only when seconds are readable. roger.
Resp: 4.27.42
